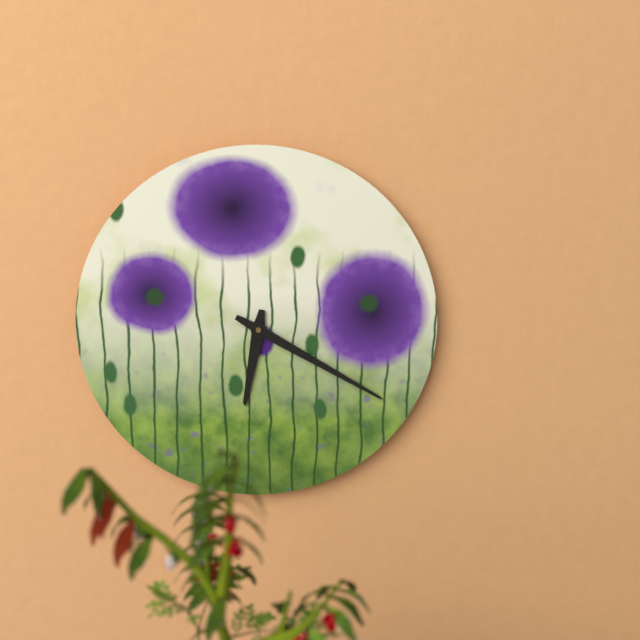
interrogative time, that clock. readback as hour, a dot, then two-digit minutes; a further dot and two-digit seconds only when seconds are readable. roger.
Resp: 6.20
